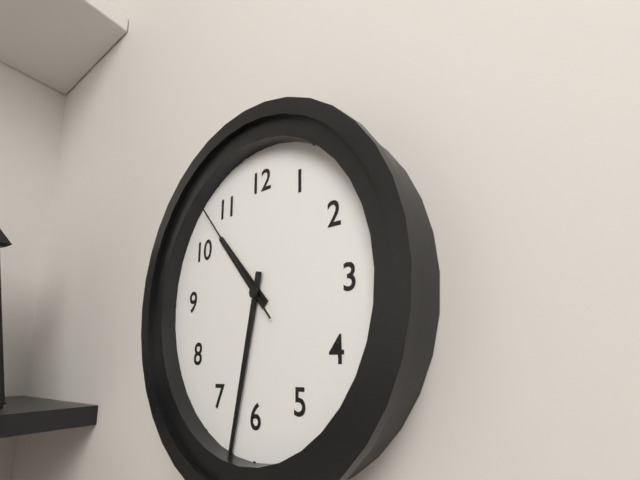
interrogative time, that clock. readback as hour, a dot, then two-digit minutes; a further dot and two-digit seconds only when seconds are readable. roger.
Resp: 10.32.53
